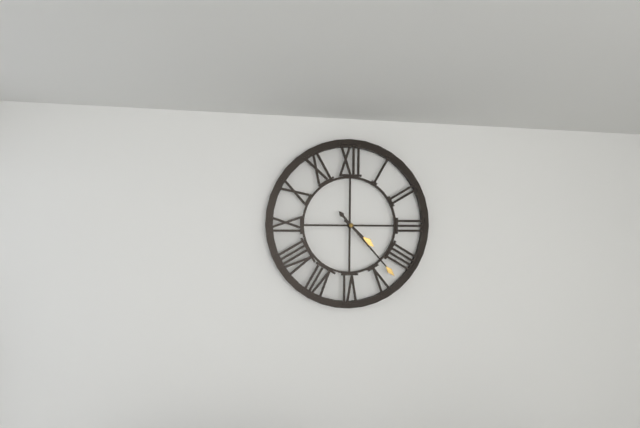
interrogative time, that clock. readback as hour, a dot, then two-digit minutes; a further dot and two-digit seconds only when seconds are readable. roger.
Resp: 4.23
